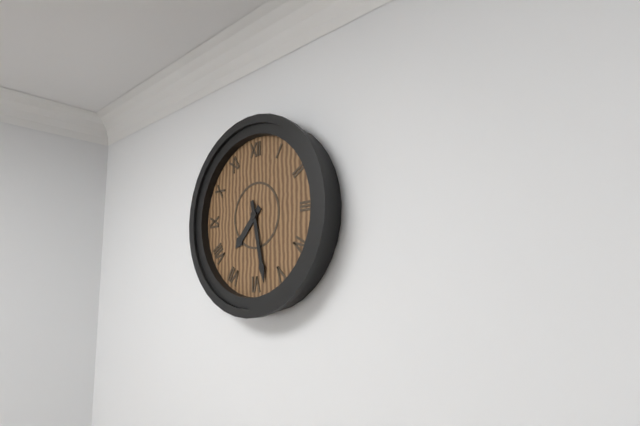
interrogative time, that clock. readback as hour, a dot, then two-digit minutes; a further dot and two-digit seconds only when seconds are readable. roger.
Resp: 7.28
